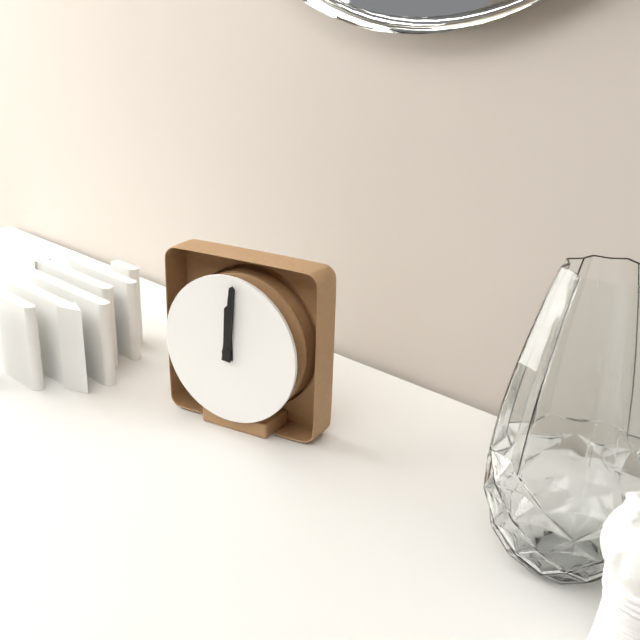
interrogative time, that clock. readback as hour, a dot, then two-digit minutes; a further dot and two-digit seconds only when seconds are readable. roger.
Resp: 12.01
